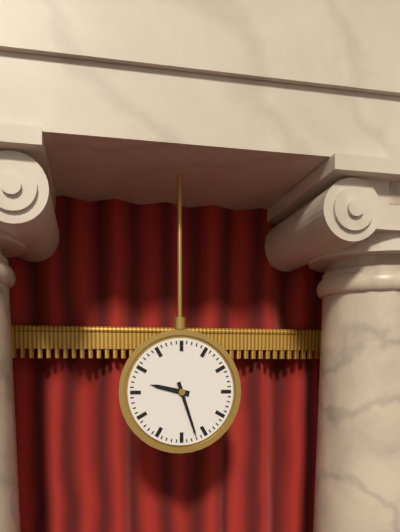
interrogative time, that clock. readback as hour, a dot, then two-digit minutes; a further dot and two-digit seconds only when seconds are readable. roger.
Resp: 9.27
